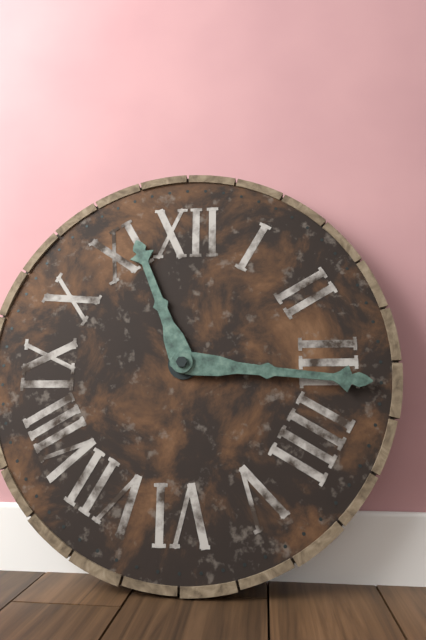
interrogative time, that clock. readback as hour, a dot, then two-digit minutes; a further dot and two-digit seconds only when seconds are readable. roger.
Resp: 11.16
